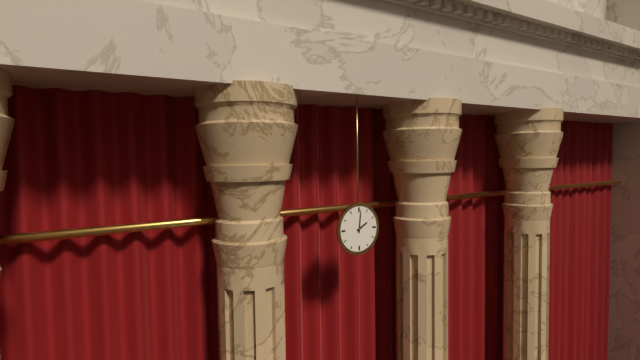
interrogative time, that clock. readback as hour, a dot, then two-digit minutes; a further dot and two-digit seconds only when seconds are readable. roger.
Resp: 2.01
